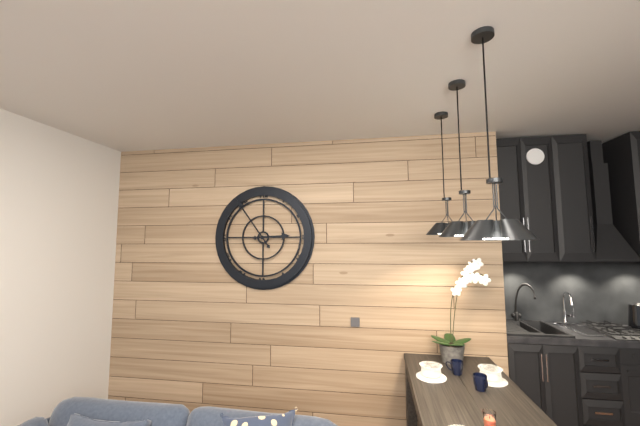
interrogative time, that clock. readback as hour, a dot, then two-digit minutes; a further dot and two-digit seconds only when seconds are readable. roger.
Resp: 2.54
